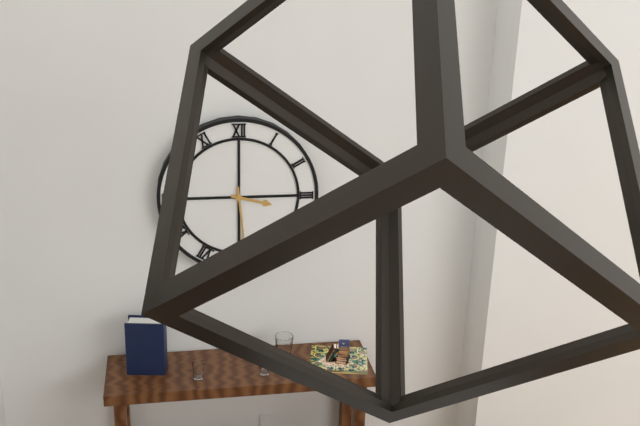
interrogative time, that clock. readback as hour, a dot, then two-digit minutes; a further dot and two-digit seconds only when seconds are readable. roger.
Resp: 3.29
